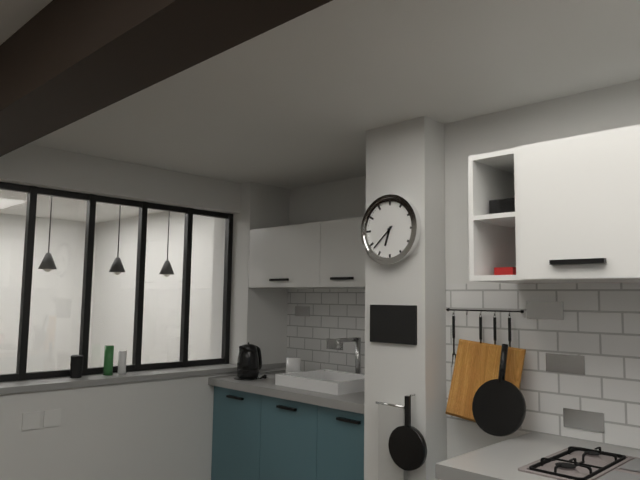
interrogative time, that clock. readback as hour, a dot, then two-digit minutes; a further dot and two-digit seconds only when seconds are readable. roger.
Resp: 6.38
